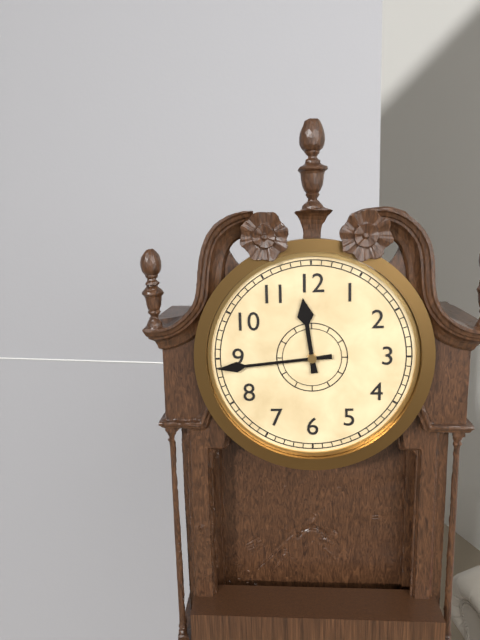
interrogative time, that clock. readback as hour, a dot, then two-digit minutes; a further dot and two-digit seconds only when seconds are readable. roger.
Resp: 11.44
